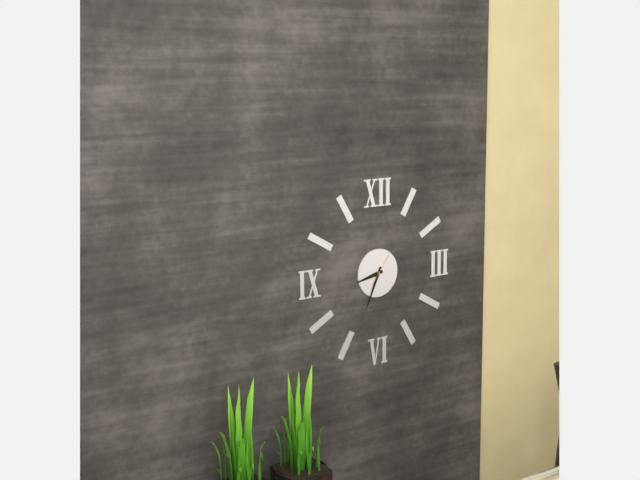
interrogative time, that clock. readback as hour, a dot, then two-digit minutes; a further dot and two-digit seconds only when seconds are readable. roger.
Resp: 8.34
